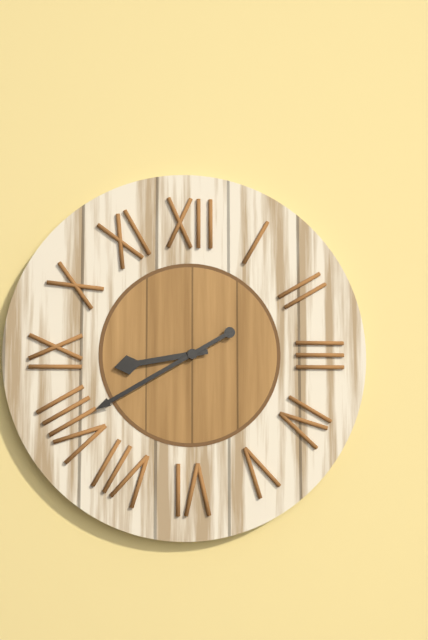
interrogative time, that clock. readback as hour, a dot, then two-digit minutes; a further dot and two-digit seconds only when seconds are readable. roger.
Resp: 8.40
